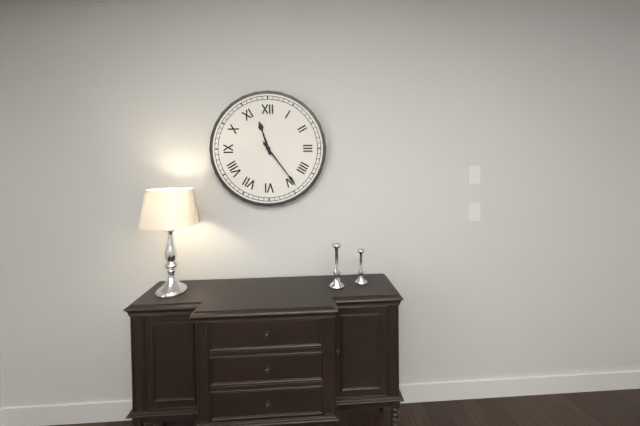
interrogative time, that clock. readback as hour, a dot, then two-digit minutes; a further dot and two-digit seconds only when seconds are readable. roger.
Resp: 11.24
